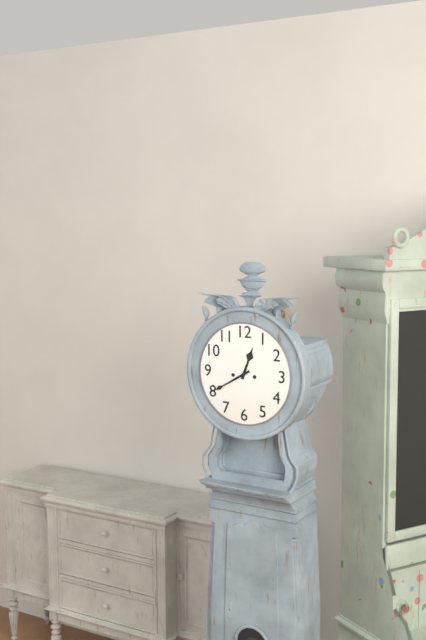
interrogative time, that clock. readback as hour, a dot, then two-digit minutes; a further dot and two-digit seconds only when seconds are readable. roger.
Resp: 12.40
